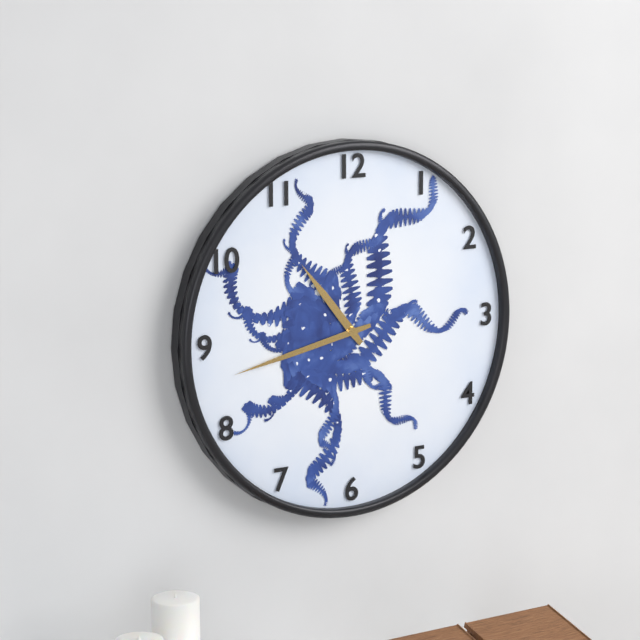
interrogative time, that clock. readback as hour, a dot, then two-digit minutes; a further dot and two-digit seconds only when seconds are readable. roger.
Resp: 10.43
